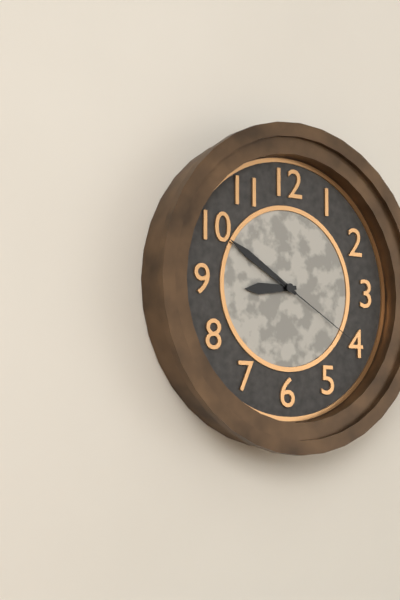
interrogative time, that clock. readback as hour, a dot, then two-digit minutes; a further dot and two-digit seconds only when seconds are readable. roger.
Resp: 8.50.20
